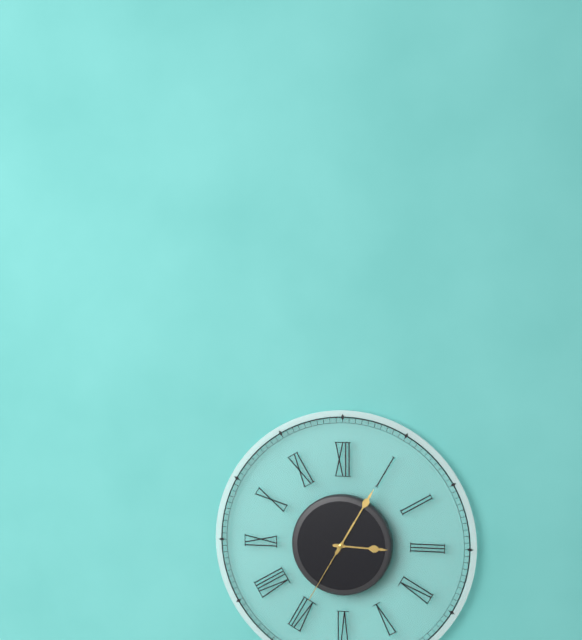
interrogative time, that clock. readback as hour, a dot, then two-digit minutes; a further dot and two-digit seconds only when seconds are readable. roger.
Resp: 3.05.35
